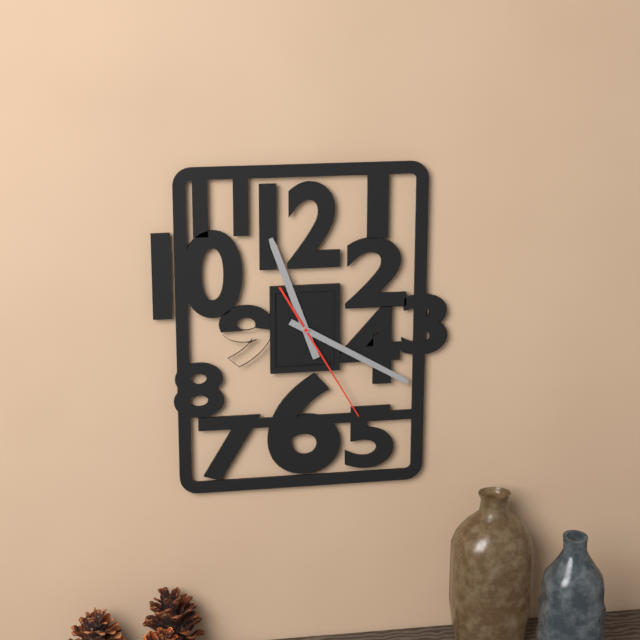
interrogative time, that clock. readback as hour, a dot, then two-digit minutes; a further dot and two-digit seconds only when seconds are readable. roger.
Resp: 11.20.25
